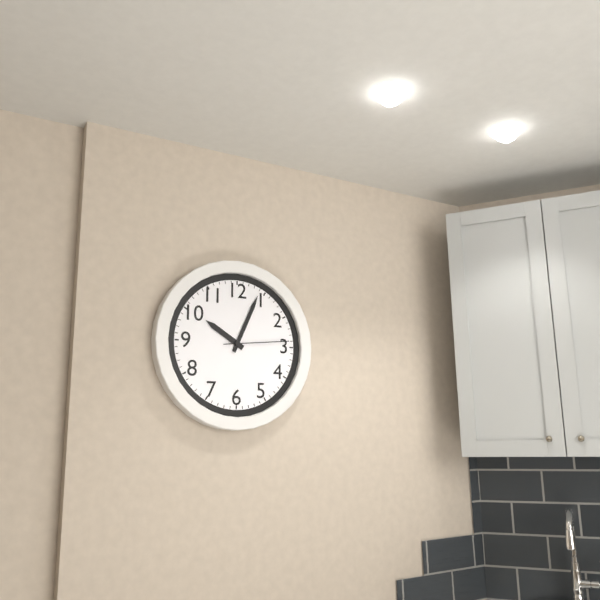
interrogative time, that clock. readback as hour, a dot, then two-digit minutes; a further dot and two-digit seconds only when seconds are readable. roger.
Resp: 10.04.14
